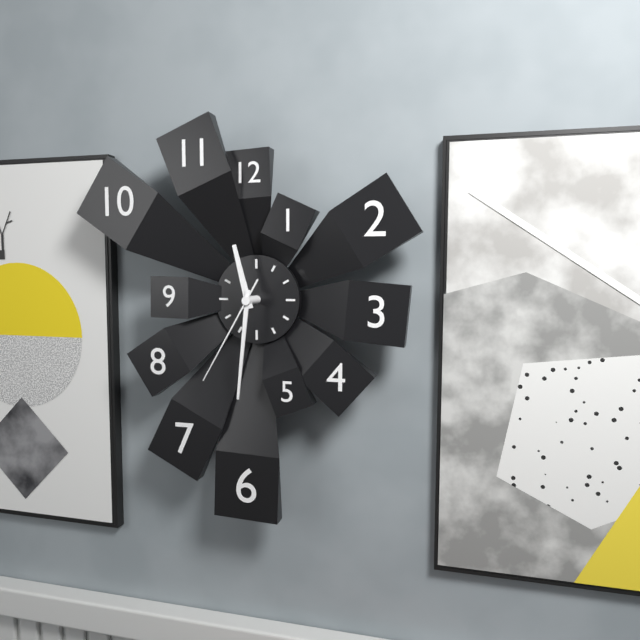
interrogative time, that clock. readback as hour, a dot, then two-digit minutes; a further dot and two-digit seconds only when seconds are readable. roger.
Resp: 11.31.35
